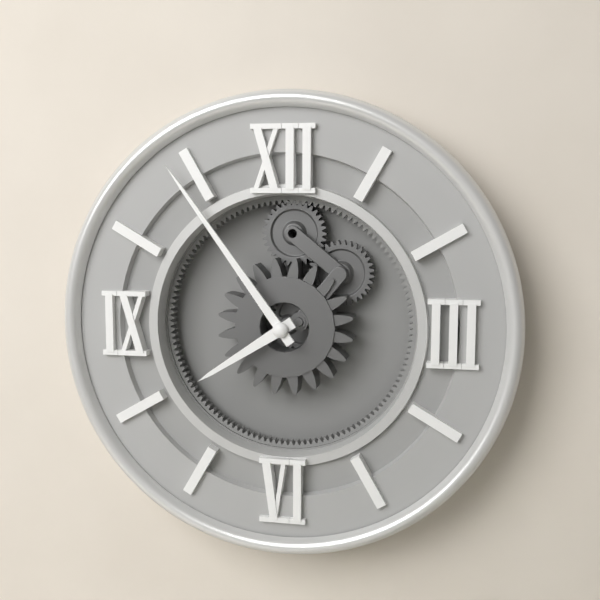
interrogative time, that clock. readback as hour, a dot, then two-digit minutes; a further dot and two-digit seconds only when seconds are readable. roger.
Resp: 7.54
